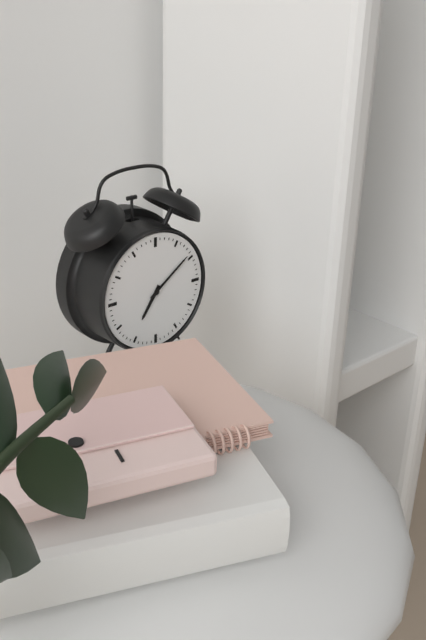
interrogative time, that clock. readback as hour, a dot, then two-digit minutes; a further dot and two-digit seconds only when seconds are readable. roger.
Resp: 7.09
